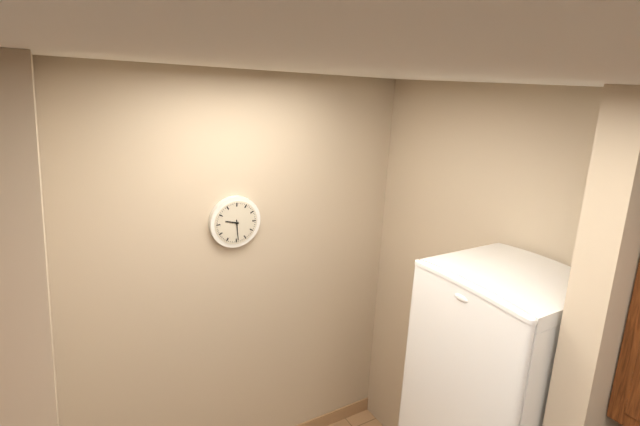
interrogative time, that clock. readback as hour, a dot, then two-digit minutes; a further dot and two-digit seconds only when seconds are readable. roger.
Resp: 9.29
